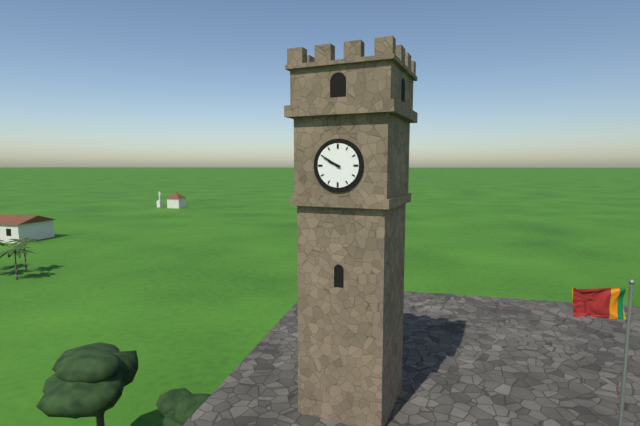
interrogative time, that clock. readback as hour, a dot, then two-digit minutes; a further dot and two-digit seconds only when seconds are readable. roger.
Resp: 9.50
